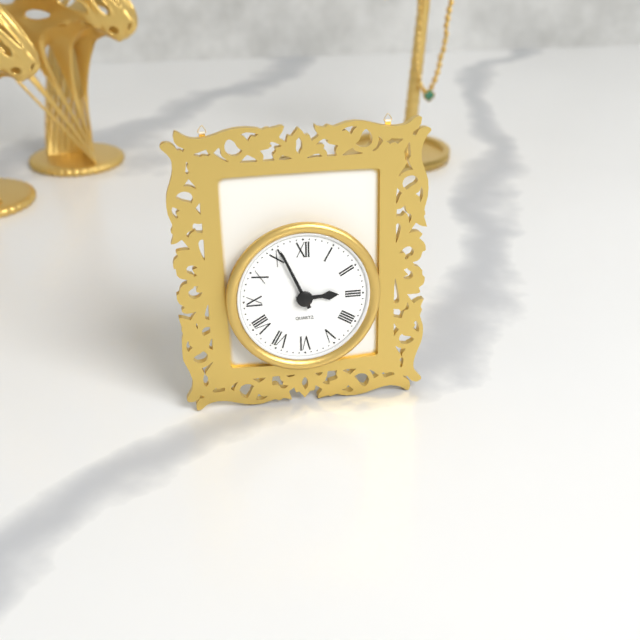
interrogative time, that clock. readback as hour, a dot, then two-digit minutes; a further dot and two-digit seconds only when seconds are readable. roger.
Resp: 2.56
